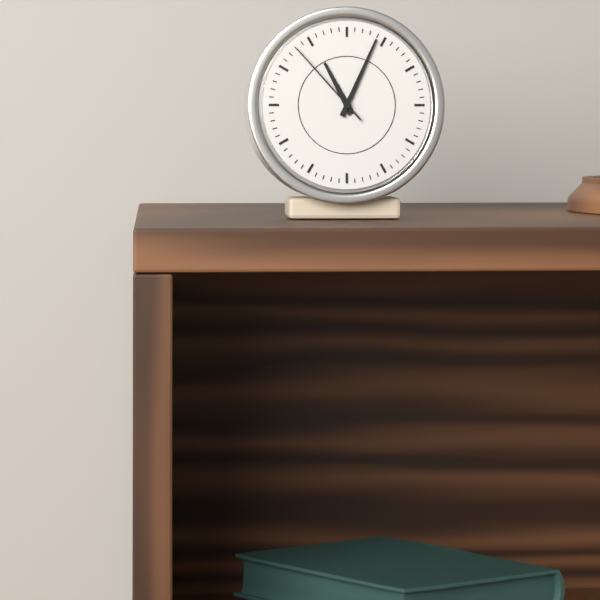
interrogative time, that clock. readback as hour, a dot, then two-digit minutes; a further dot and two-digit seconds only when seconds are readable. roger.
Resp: 11.04.53
